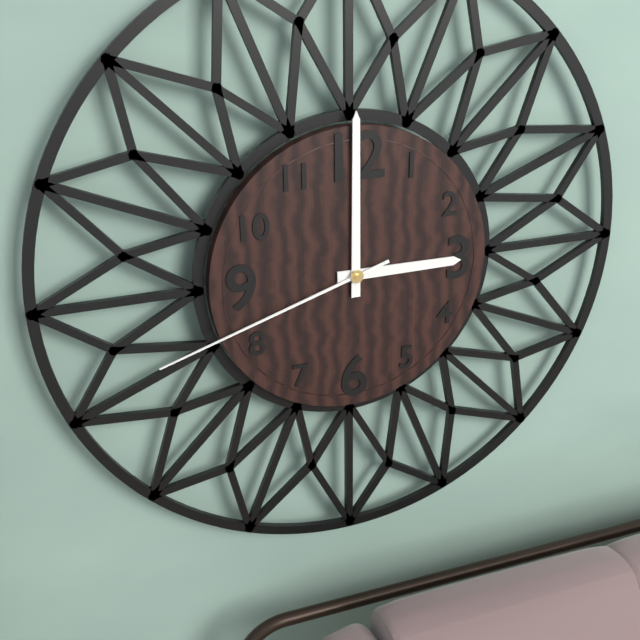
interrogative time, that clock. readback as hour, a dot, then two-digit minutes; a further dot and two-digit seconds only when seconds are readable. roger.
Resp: 3.00.42
